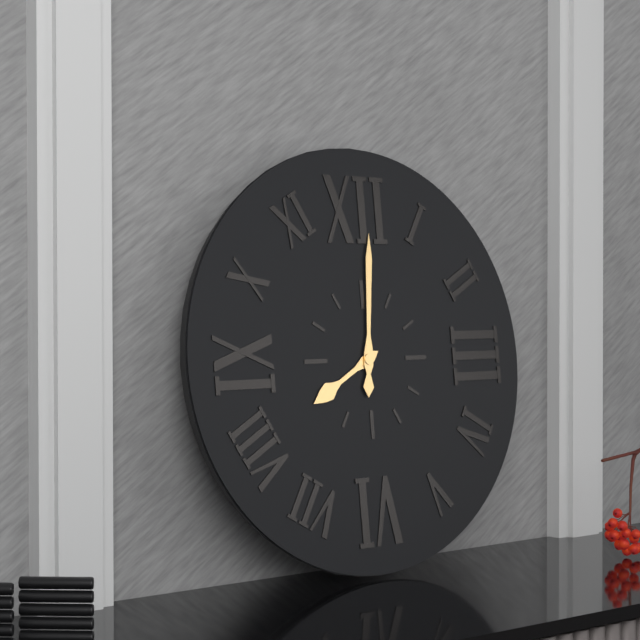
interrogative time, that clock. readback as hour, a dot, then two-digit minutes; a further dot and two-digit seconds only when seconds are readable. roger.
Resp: 8.01
